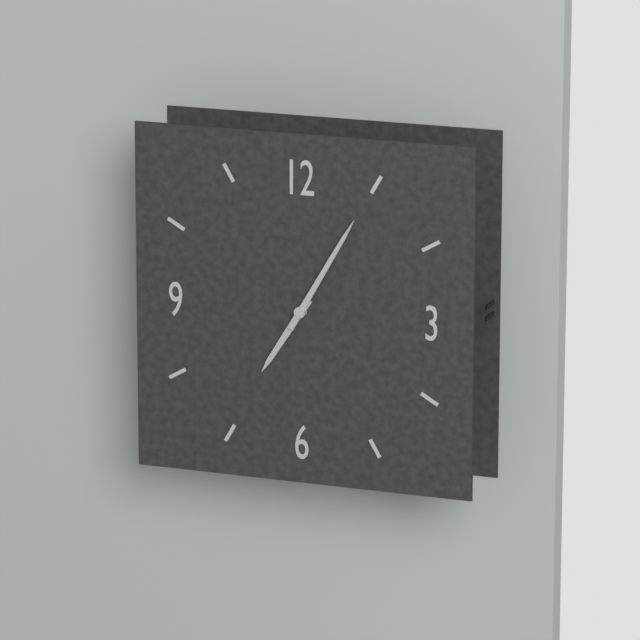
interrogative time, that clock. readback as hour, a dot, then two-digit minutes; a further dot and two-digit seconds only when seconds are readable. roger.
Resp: 7.05
